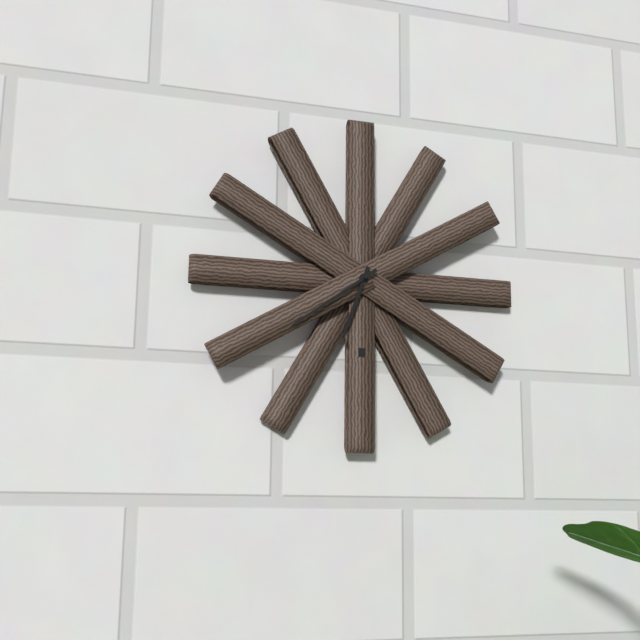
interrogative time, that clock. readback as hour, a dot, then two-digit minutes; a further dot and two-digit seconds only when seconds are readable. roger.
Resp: 6.39
